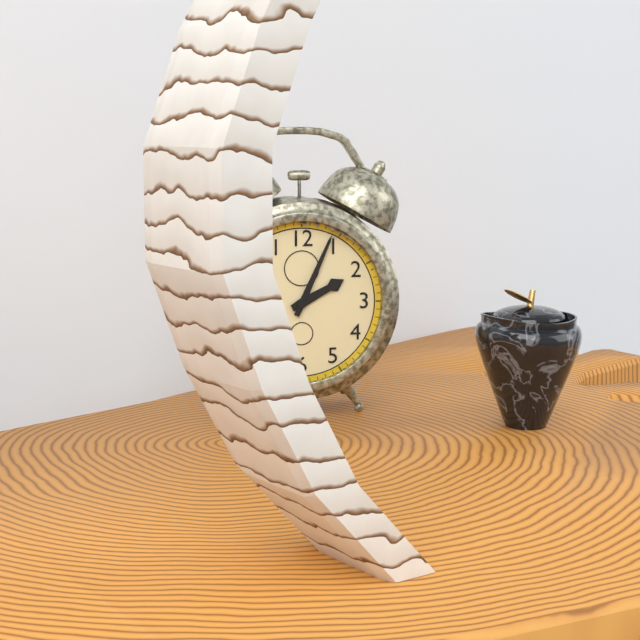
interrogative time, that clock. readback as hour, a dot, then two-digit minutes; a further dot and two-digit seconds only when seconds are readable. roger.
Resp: 2.04
